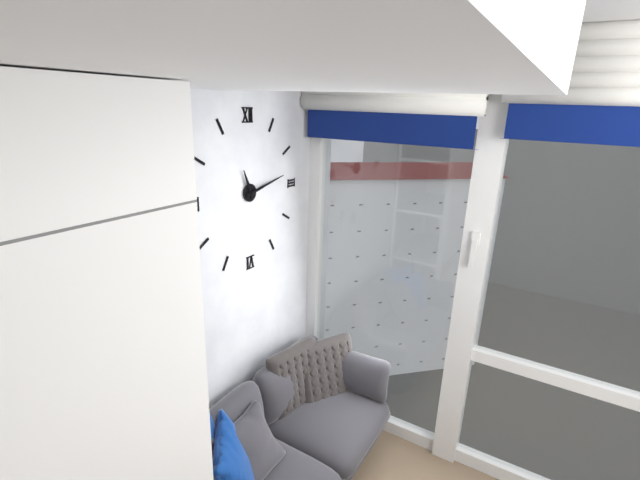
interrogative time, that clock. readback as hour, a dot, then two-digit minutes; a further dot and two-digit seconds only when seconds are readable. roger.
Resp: 11.13
